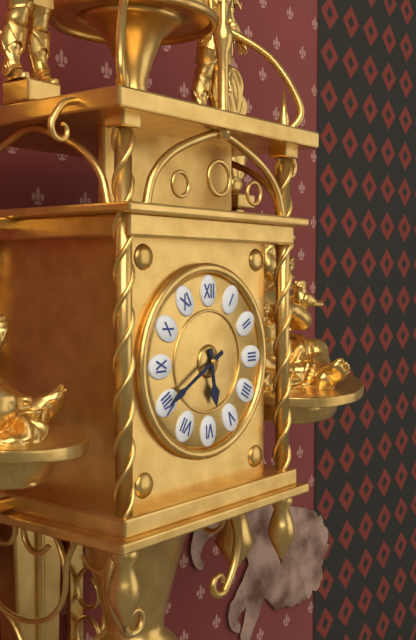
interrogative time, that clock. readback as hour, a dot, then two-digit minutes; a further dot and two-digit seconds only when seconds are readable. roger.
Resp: 5.40
